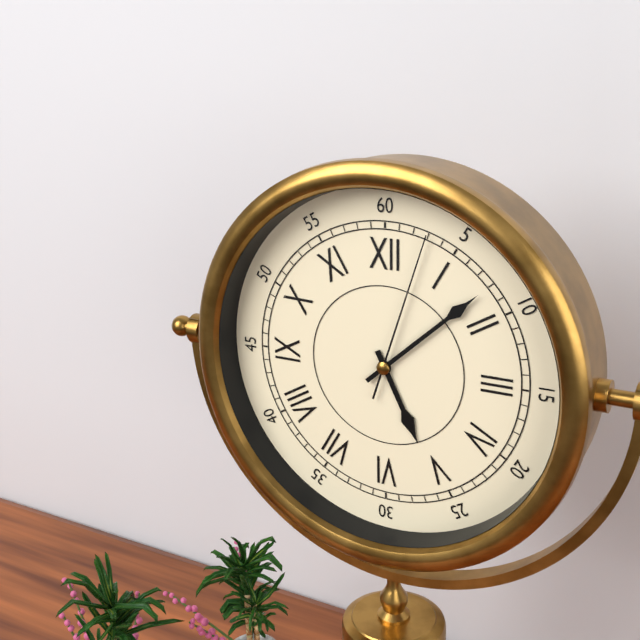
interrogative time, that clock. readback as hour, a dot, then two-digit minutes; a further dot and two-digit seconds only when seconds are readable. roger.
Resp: 5.08.03
